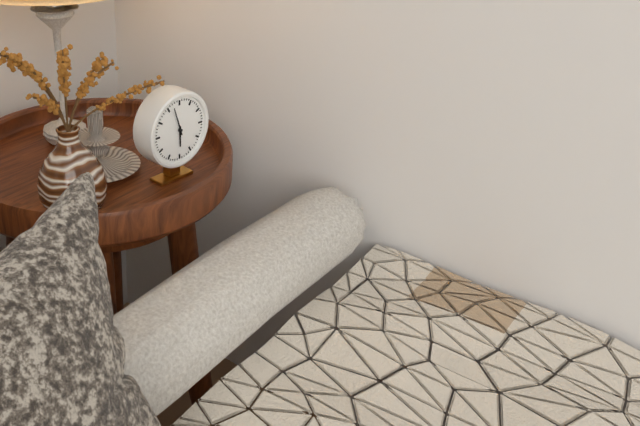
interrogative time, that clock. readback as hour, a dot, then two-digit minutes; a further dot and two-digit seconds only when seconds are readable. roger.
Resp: 5.57
